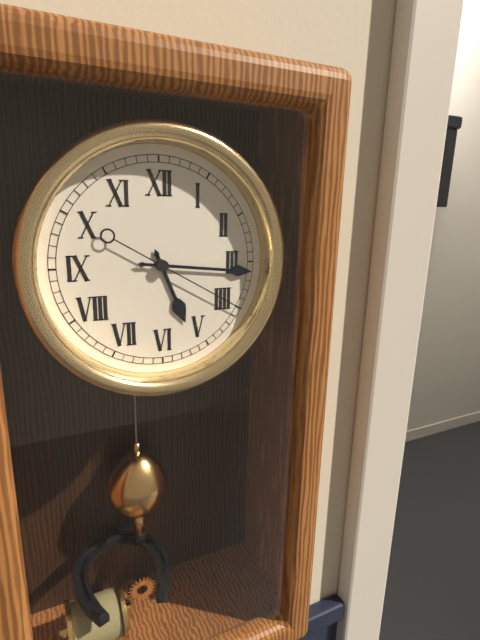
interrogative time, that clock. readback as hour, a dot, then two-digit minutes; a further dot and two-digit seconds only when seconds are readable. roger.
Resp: 5.16.20
